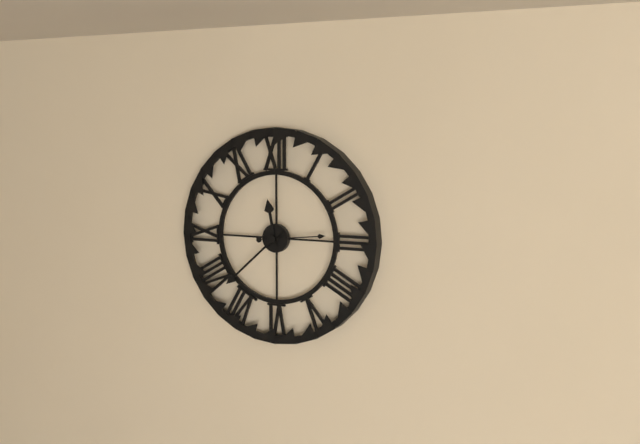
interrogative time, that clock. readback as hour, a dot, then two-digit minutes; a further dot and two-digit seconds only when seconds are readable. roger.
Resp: 11.38.14
